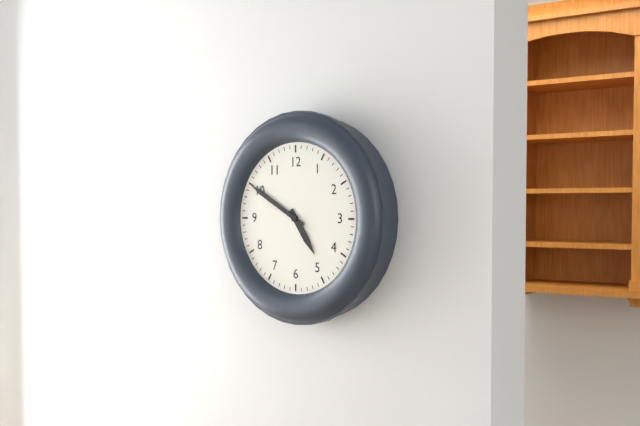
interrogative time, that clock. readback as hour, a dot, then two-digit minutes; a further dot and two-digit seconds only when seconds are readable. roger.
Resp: 4.50
